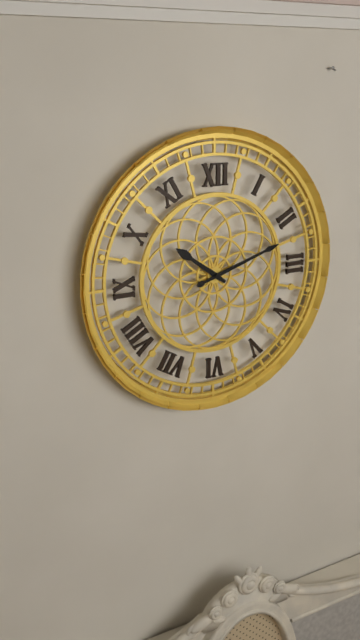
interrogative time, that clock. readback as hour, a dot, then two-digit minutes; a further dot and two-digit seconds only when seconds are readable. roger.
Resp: 10.12
